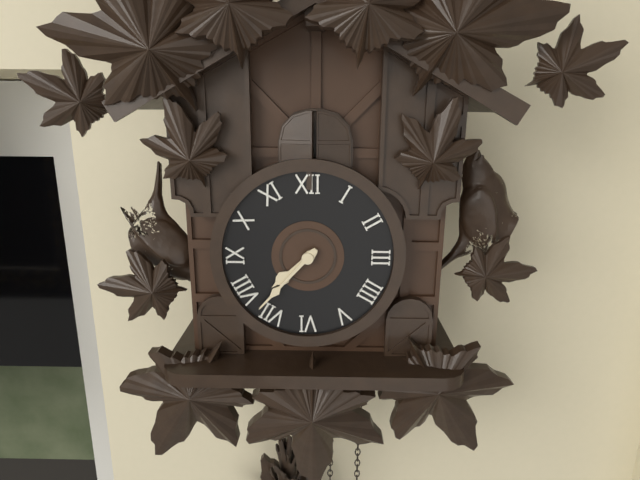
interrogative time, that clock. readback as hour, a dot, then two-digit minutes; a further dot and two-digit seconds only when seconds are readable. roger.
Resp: 7.37
